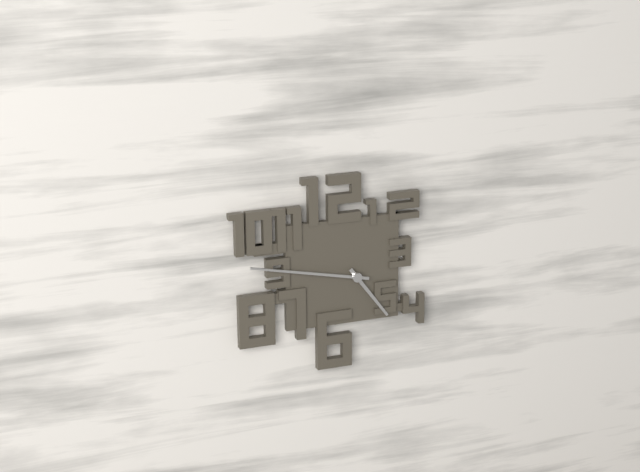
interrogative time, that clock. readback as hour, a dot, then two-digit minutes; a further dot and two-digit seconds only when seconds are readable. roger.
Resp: 4.47
